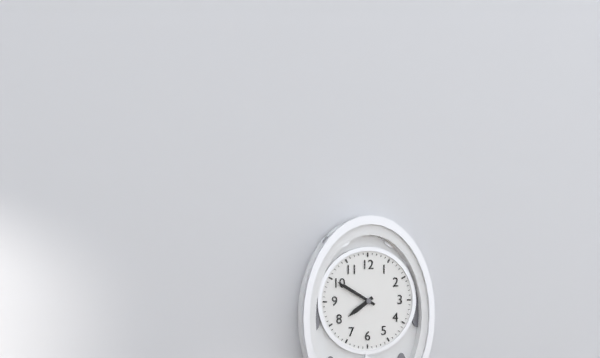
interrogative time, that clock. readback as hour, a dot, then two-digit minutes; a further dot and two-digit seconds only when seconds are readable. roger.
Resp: 7.50
